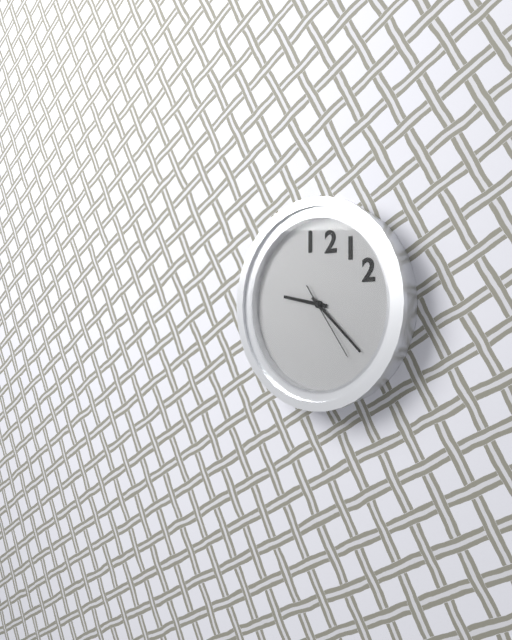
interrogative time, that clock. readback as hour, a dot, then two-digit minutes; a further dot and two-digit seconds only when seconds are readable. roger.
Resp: 9.22.24
